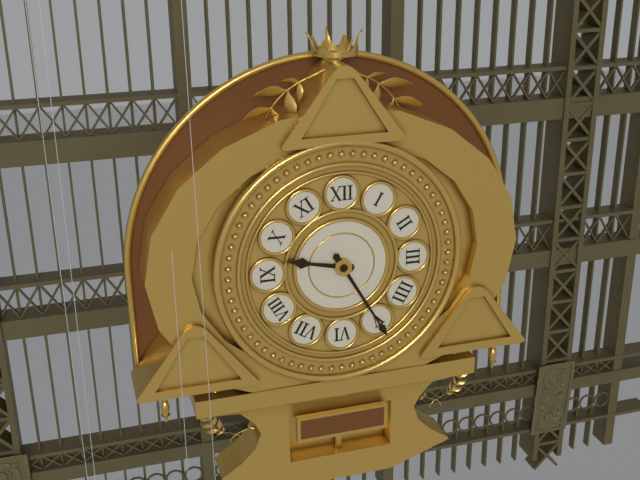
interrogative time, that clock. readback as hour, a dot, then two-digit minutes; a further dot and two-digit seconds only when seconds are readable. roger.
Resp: 9.25
